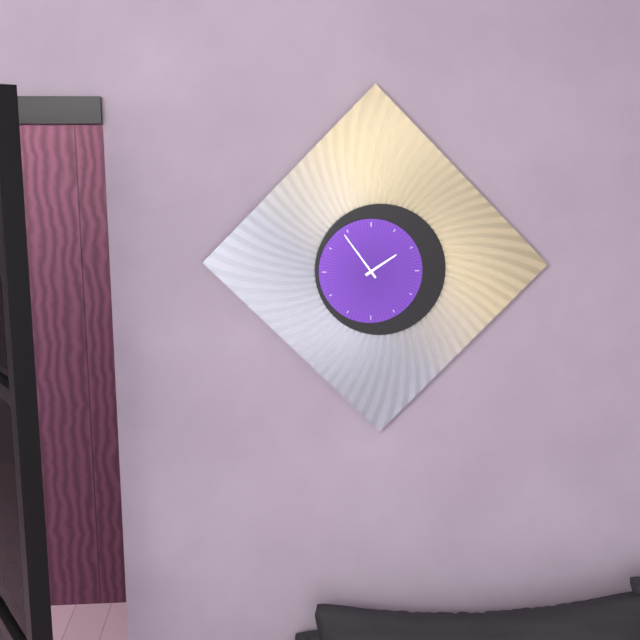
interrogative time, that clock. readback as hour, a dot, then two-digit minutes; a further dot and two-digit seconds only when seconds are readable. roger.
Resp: 1.54
